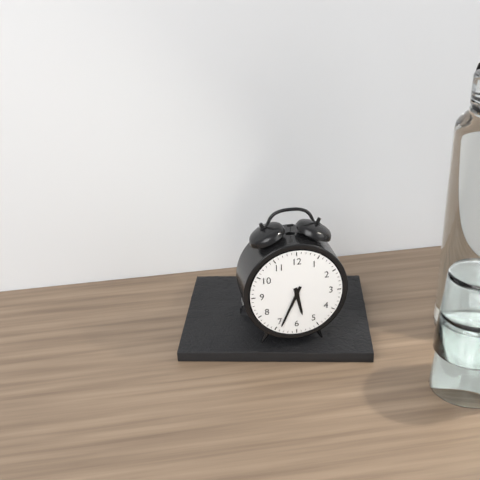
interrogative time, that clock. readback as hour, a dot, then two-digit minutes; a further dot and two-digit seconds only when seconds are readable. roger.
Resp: 5.34
